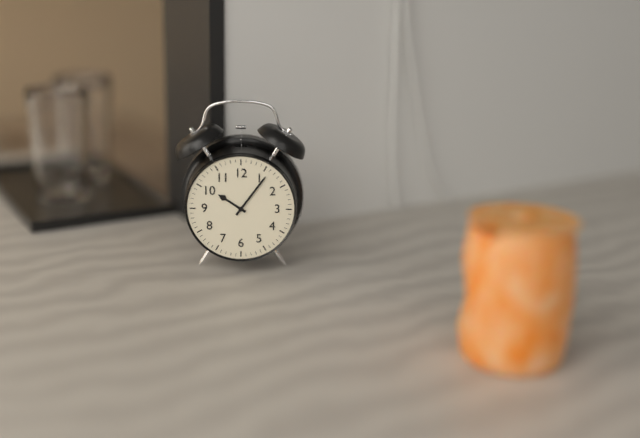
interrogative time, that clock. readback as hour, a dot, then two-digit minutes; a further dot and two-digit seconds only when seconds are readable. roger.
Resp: 10.06
